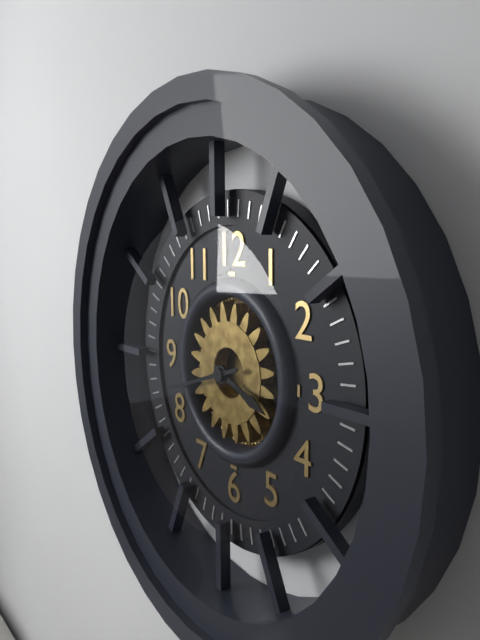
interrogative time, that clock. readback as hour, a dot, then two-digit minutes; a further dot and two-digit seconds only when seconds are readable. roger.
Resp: 3.42
